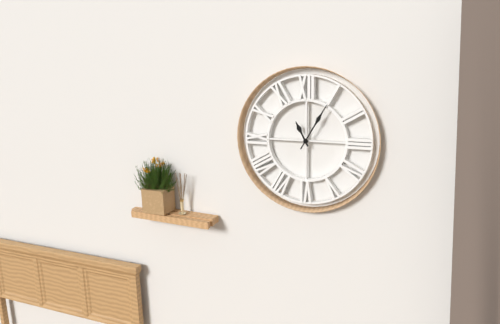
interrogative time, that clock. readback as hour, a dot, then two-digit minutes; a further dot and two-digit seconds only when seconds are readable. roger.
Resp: 11.05
